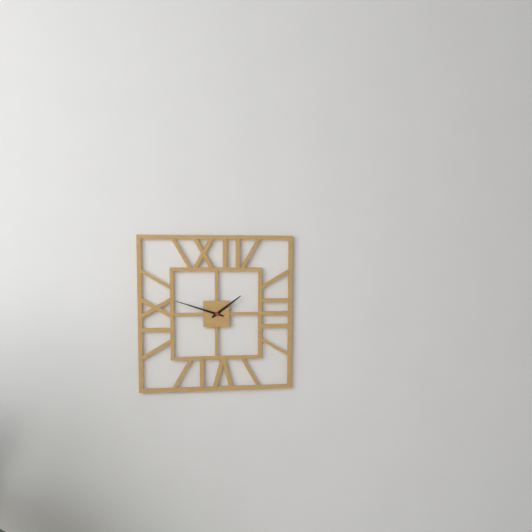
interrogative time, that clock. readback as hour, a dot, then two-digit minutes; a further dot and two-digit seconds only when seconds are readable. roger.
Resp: 1.48
